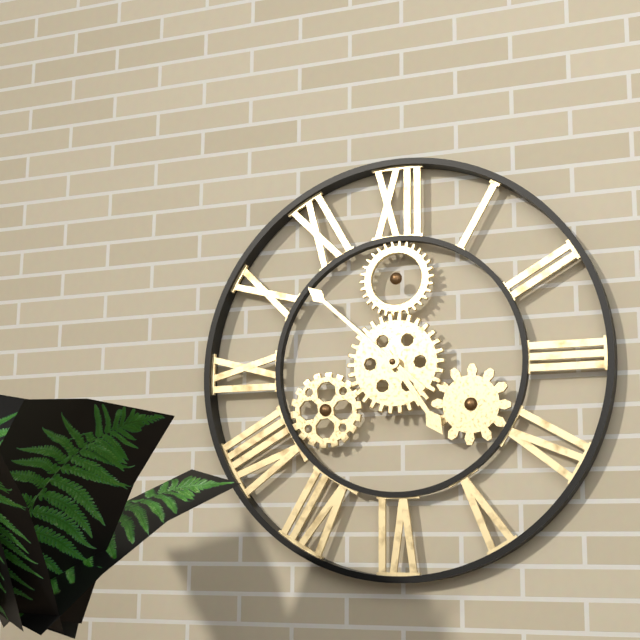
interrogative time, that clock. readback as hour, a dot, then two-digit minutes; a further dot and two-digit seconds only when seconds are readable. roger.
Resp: 4.52
